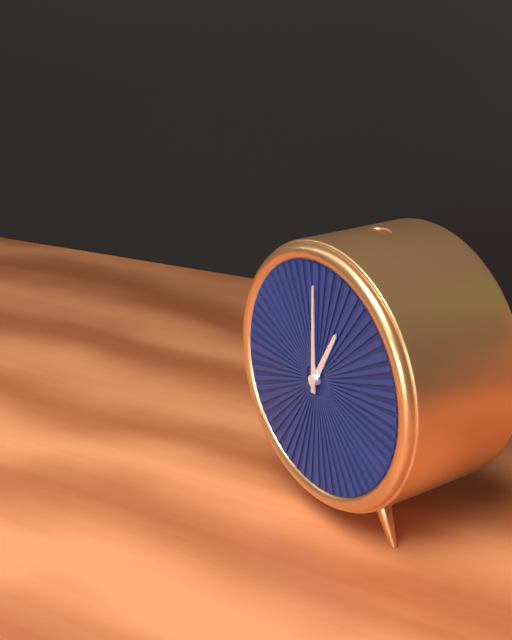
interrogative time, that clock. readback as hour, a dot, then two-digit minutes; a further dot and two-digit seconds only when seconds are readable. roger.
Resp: 1.00
